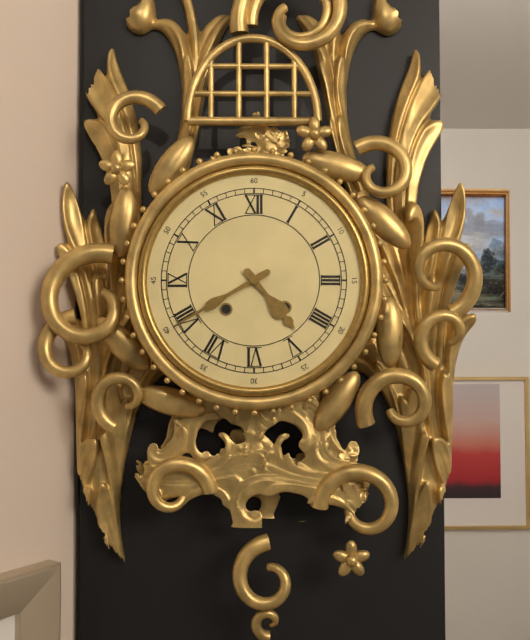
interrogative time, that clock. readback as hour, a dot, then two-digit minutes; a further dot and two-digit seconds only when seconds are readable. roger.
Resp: 4.40
